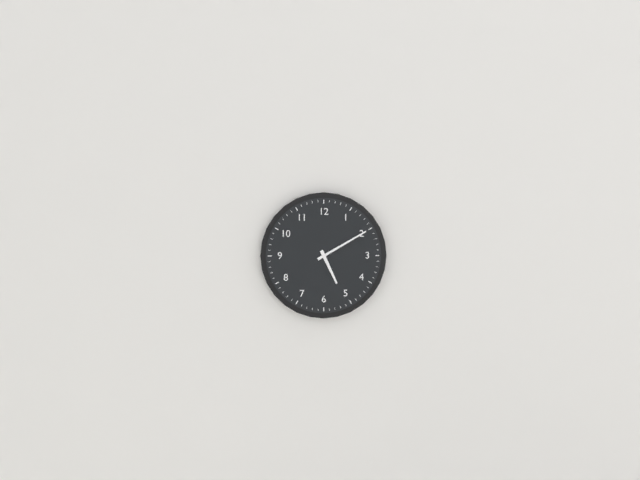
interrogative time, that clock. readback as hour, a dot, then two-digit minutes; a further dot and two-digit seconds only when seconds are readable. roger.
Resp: 5.10
